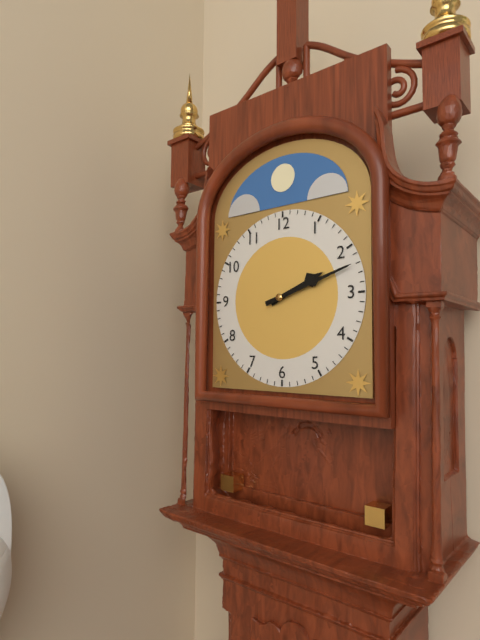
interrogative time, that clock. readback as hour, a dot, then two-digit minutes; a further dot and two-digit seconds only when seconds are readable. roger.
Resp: 2.12
